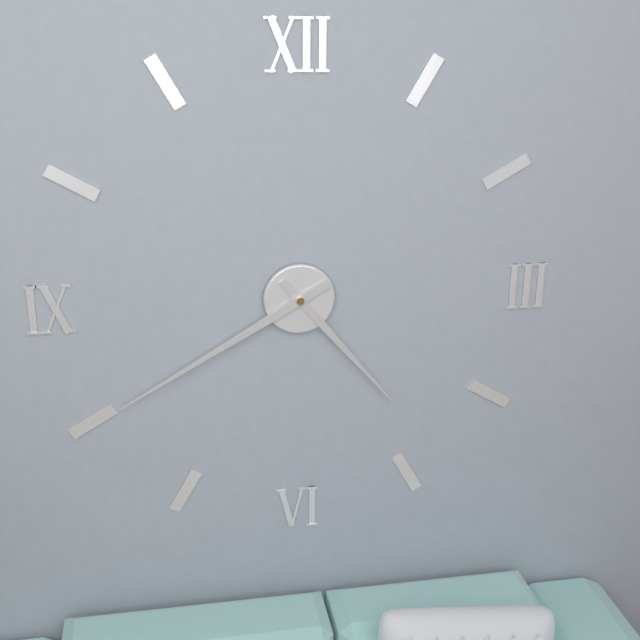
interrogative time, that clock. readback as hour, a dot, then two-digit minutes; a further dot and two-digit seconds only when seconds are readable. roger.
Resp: 4.40
